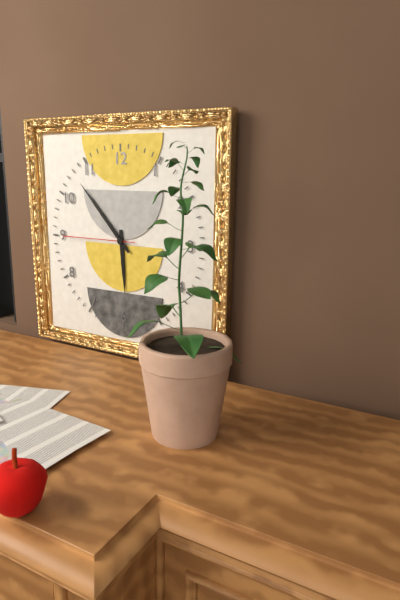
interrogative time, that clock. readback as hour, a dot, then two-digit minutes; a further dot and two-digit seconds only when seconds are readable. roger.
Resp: 5.53.45
